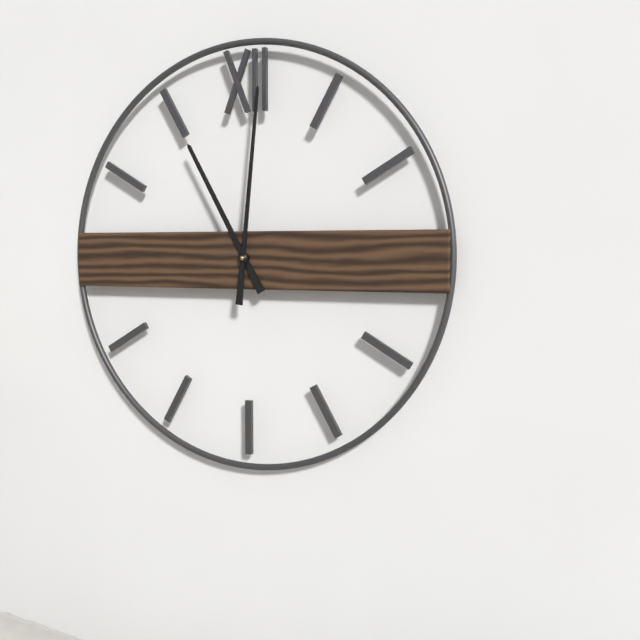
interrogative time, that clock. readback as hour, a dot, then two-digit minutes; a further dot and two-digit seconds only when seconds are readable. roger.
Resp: 11.01
